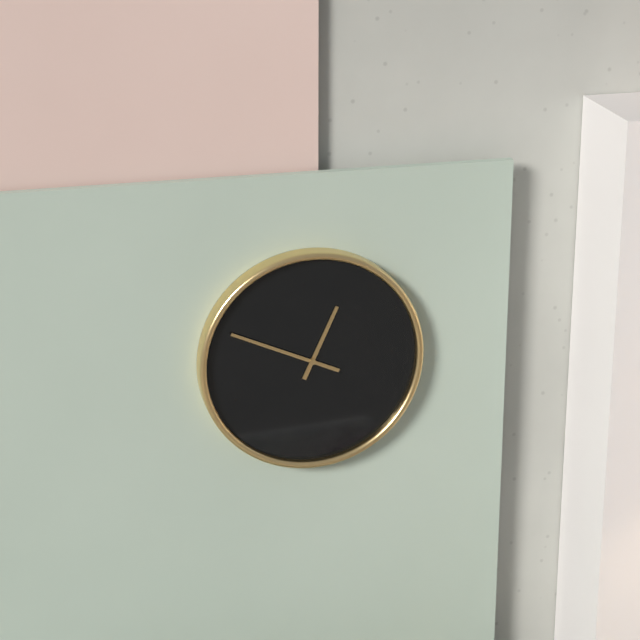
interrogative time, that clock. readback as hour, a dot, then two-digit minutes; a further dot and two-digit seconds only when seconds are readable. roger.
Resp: 12.49
